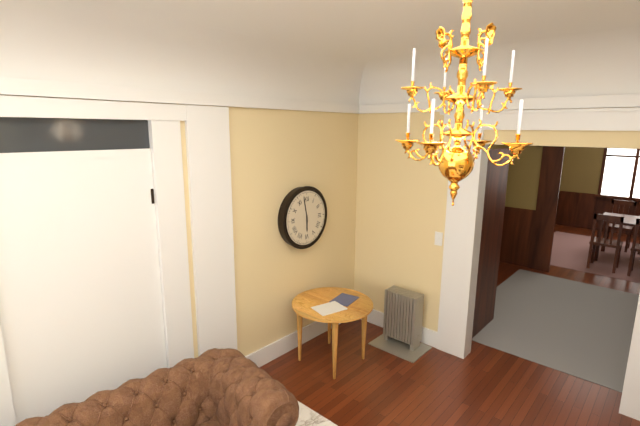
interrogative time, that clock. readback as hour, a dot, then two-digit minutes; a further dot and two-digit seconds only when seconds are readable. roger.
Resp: 5.58
